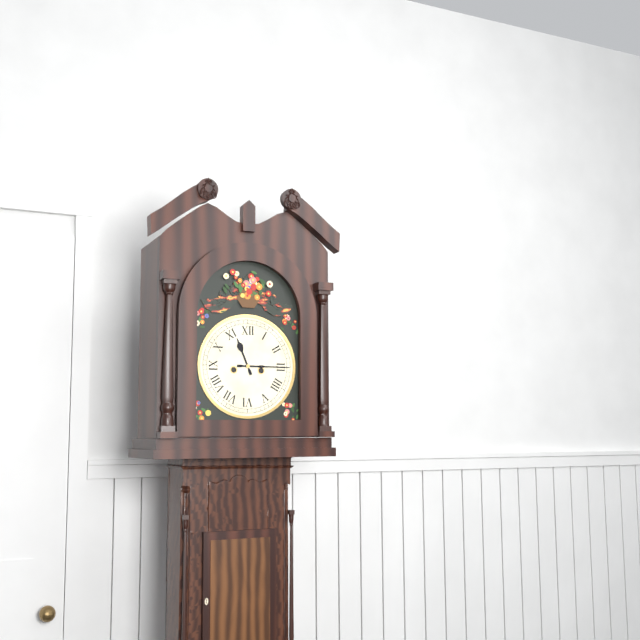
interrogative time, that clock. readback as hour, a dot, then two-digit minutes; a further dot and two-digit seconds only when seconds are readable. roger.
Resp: 11.15
